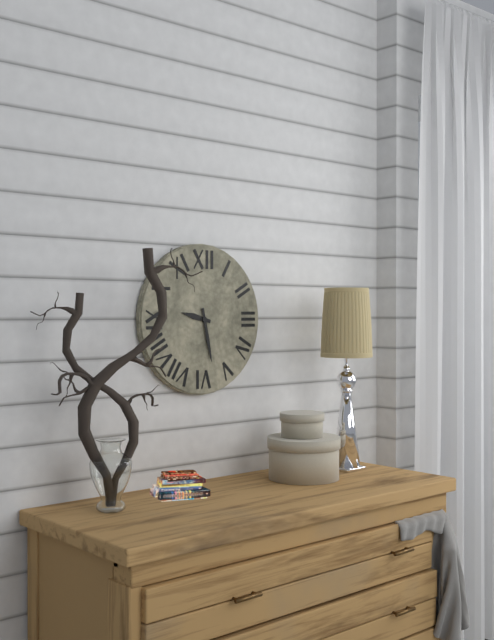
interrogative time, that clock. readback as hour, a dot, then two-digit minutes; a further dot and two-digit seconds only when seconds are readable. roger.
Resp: 9.28
